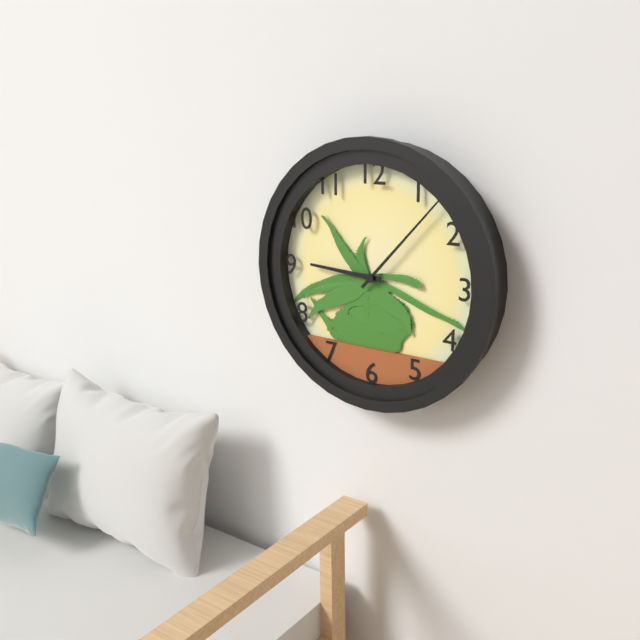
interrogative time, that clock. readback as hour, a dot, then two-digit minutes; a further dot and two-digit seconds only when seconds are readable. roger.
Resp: 9.07
